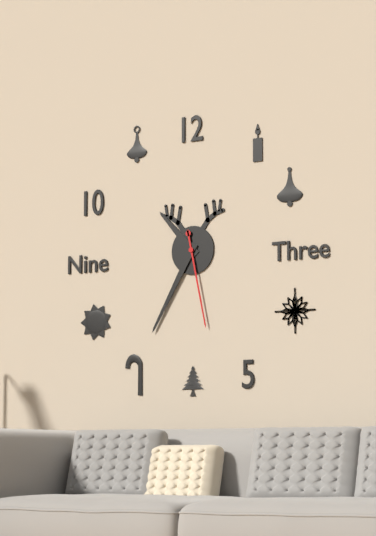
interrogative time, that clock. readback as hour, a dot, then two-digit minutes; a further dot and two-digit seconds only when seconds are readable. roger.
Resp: 10.35.28
